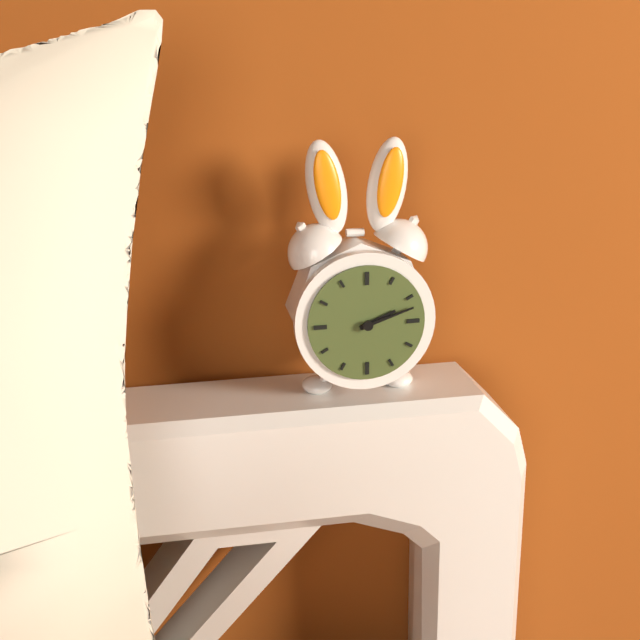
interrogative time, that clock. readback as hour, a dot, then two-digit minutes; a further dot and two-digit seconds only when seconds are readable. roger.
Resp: 2.12
